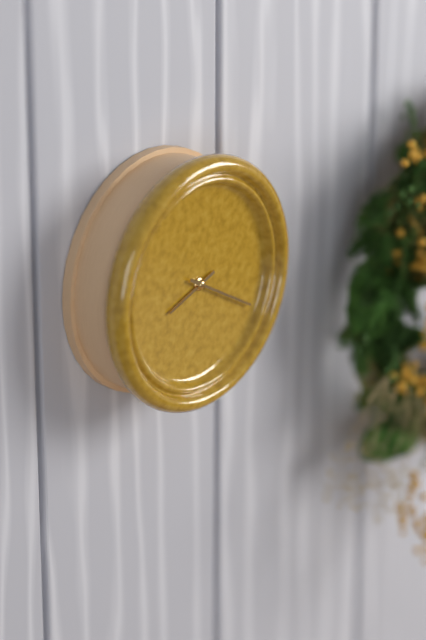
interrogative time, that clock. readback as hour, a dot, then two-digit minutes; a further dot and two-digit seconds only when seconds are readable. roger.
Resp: 8.20
